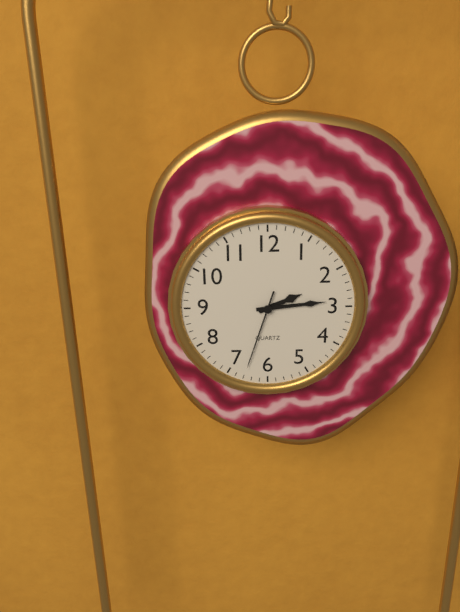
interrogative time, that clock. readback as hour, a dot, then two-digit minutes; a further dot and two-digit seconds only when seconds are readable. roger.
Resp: 2.14.33
